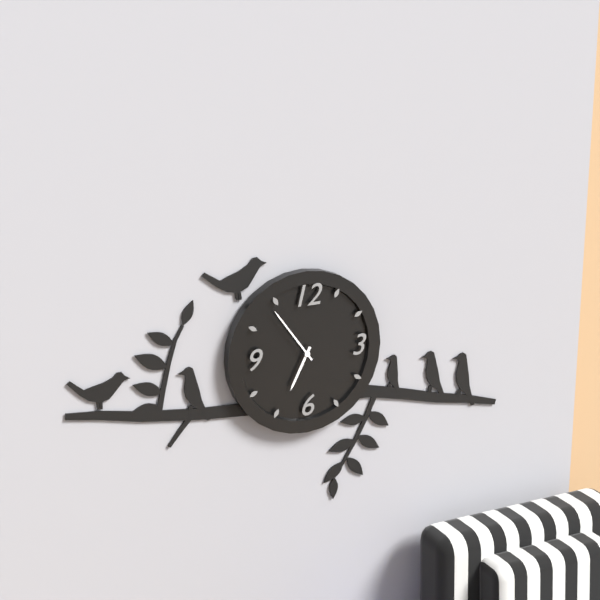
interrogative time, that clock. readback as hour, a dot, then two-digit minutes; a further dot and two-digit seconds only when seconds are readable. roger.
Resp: 6.54
